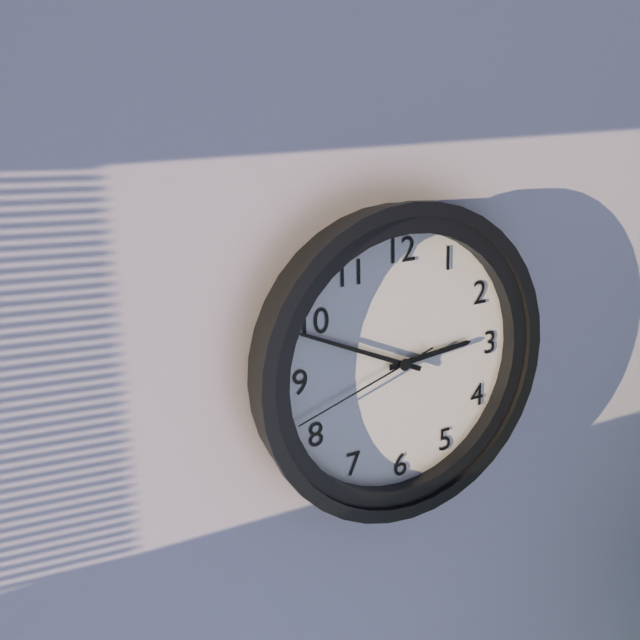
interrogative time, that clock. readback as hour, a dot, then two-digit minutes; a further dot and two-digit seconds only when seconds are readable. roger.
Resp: 2.49.42
